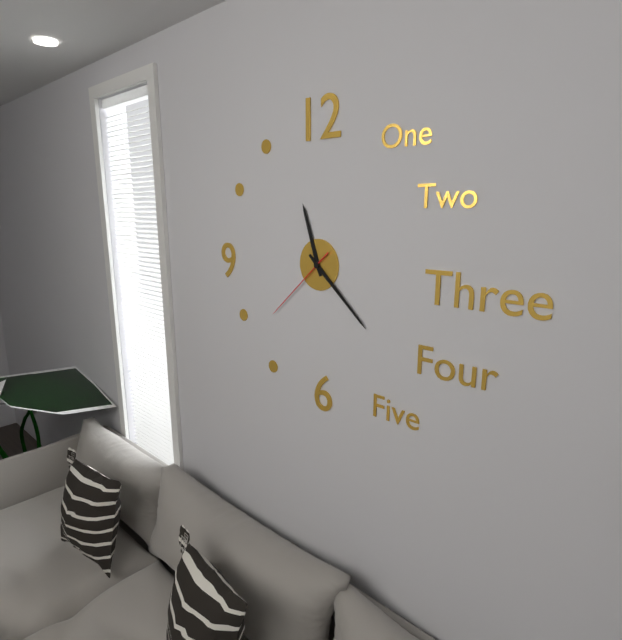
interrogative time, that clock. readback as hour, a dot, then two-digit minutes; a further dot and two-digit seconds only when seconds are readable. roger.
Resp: 11.22.38
